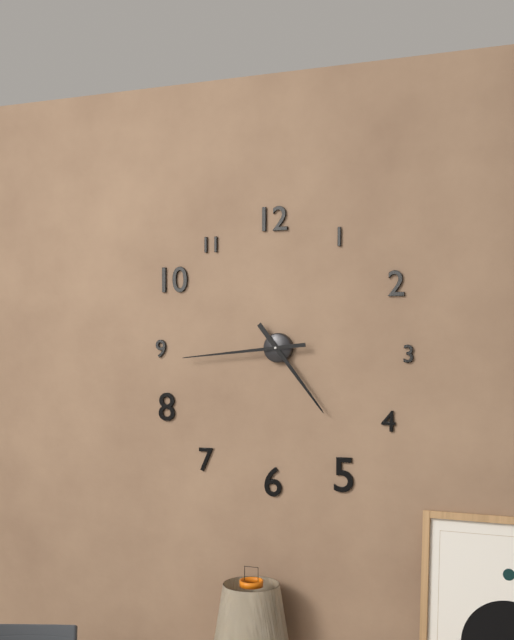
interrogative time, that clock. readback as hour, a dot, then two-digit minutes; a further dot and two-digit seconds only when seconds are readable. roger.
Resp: 4.44
